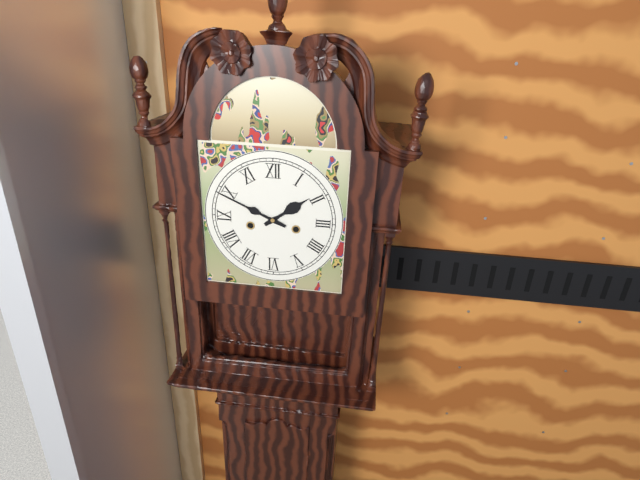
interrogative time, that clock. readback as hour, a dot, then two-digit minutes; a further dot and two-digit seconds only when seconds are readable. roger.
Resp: 1.49
